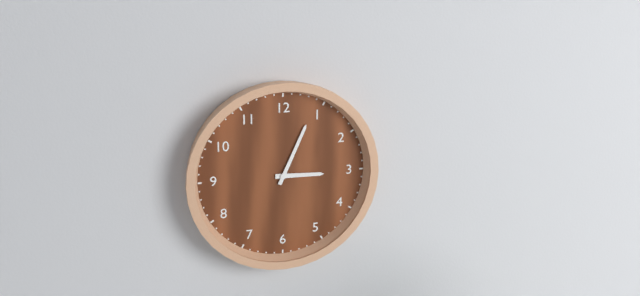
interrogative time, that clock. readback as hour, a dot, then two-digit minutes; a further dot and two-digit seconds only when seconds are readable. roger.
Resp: 3.04
